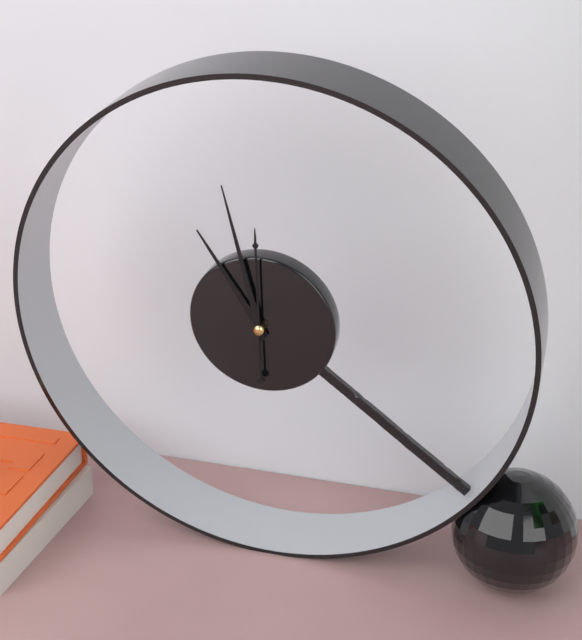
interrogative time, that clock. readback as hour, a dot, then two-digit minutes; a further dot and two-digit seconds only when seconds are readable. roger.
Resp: 10.58.00
